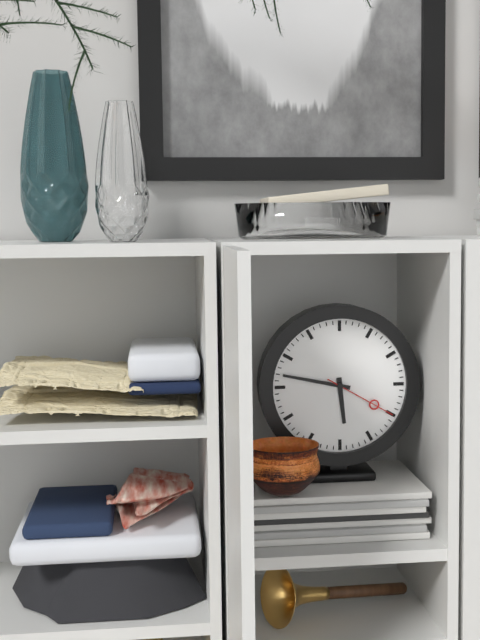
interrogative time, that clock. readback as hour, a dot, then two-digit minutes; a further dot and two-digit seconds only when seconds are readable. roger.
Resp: 5.47.20
